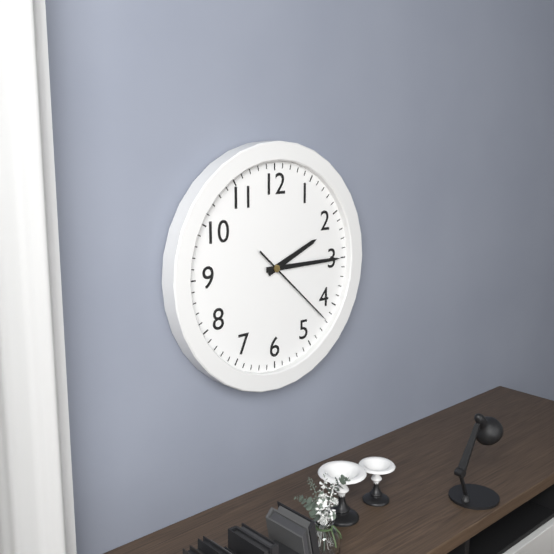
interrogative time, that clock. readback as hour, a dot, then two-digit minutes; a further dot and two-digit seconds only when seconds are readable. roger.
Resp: 2.15.22
